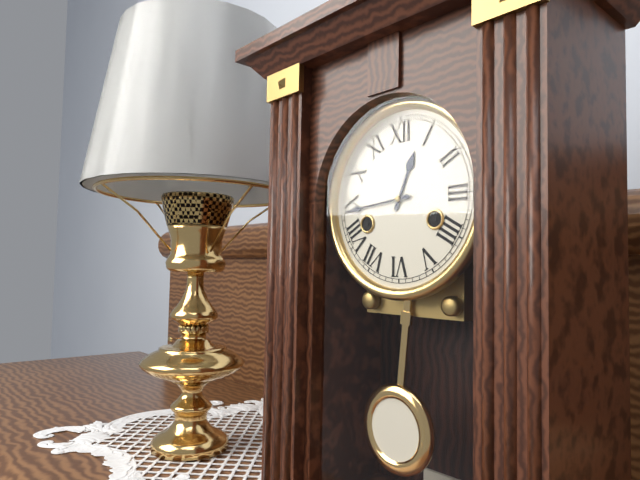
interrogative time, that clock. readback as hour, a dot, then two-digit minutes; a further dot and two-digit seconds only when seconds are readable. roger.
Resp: 12.44
